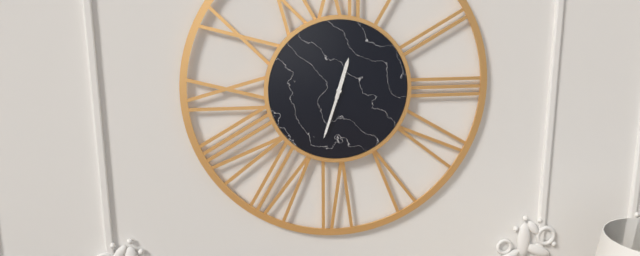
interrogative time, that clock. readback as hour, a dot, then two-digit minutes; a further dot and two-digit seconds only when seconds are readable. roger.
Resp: 12.33
